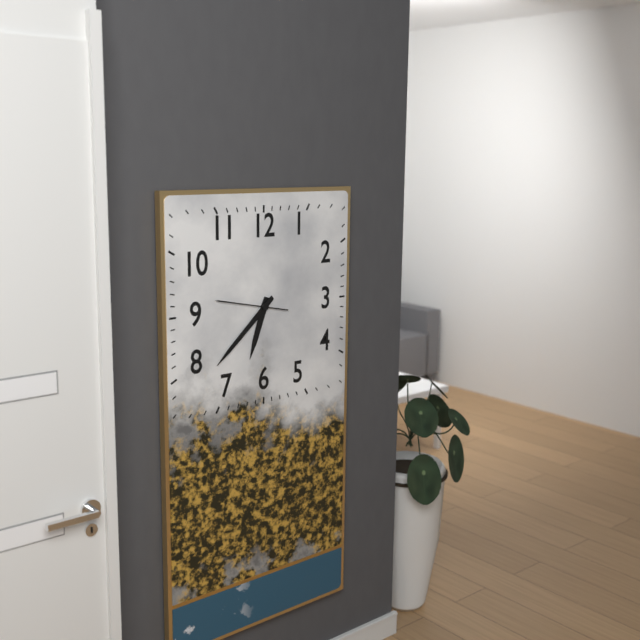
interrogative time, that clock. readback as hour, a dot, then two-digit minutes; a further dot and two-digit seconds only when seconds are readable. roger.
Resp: 6.38.47
